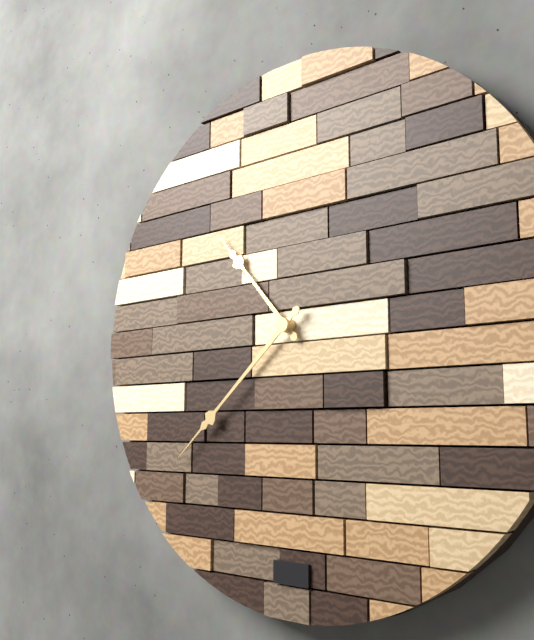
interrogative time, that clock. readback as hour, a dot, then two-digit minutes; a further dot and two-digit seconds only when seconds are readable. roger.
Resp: 10.38
